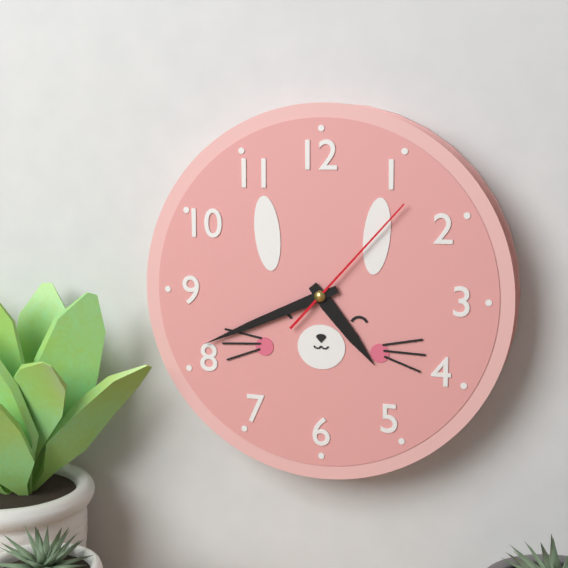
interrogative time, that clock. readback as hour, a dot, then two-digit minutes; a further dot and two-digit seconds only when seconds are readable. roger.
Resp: 4.41.07
